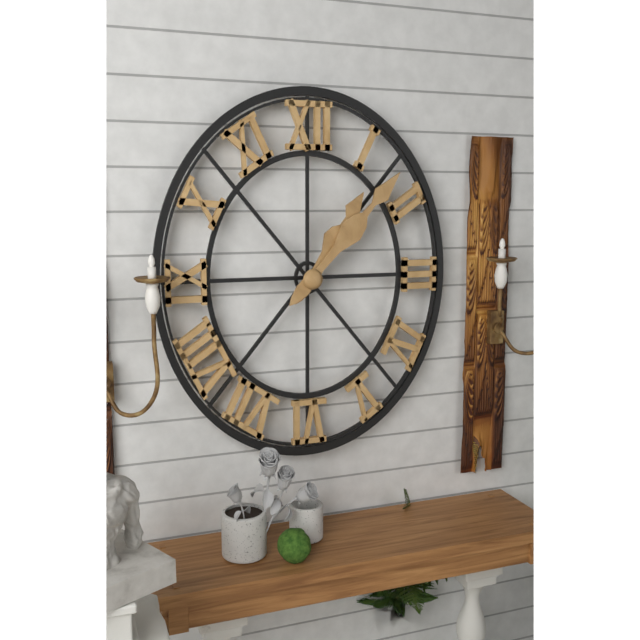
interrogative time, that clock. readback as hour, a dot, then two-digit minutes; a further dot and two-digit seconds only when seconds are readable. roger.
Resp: 1.07
